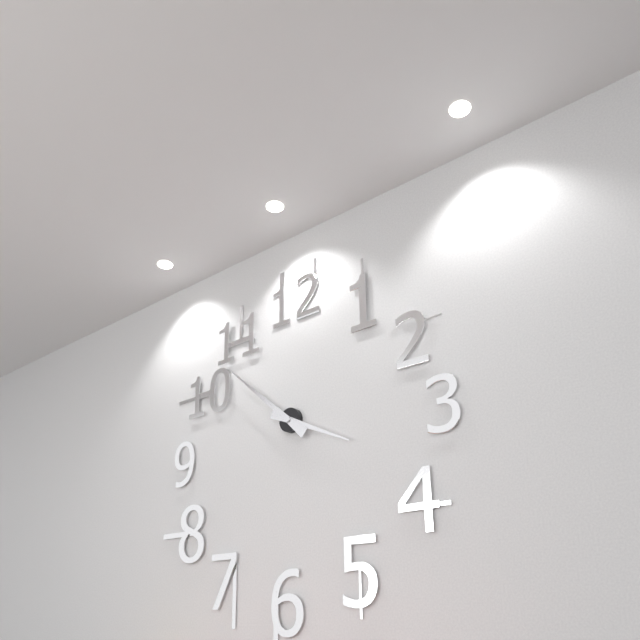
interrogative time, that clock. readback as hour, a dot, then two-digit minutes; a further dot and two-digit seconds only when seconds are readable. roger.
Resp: 3.52
